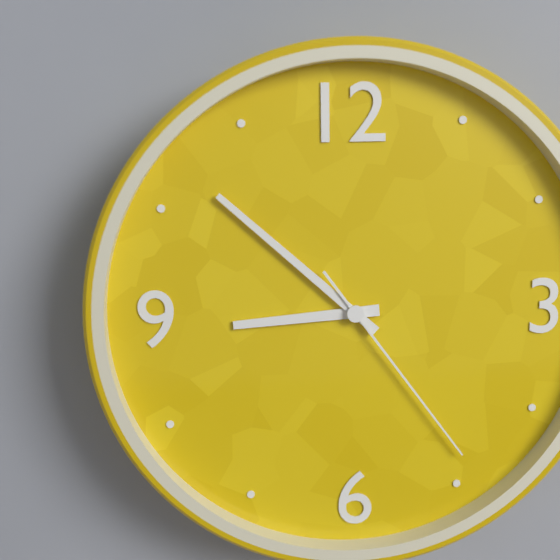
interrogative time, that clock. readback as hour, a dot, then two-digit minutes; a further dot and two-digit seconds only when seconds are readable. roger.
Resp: 8.52.24
